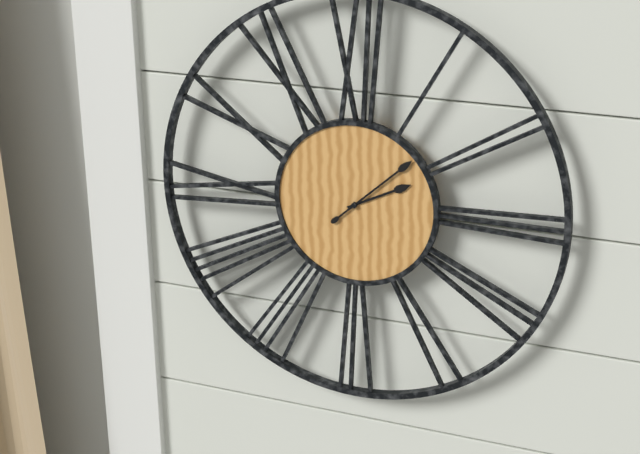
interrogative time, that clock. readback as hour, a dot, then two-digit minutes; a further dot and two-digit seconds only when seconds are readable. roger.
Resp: 2.08
